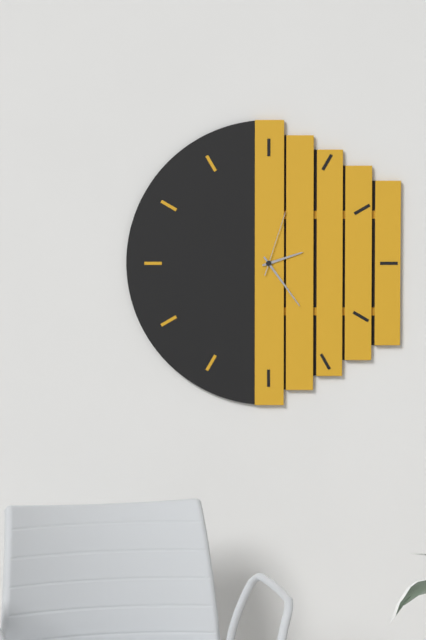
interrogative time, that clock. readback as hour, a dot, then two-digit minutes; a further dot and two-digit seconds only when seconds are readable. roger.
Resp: 2.24.03
